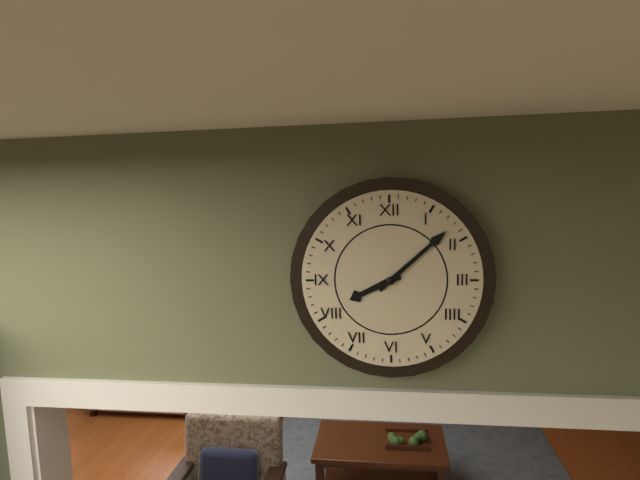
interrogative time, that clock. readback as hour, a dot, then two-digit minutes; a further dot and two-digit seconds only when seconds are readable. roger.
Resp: 8.08
